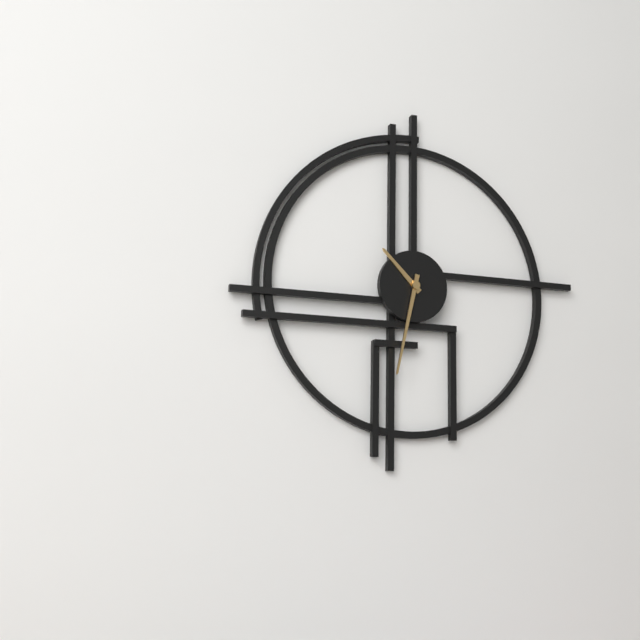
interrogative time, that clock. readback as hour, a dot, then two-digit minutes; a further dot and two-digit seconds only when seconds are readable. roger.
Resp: 10.32
